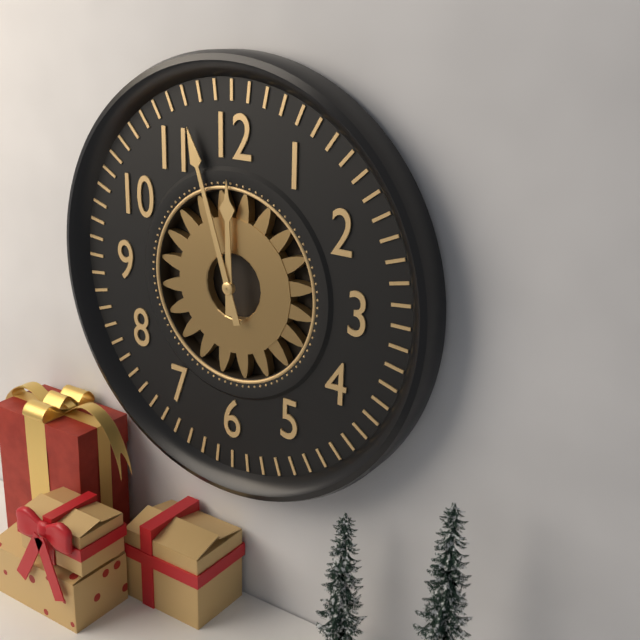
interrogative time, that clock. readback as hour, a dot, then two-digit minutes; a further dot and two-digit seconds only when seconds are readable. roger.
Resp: 11.57
